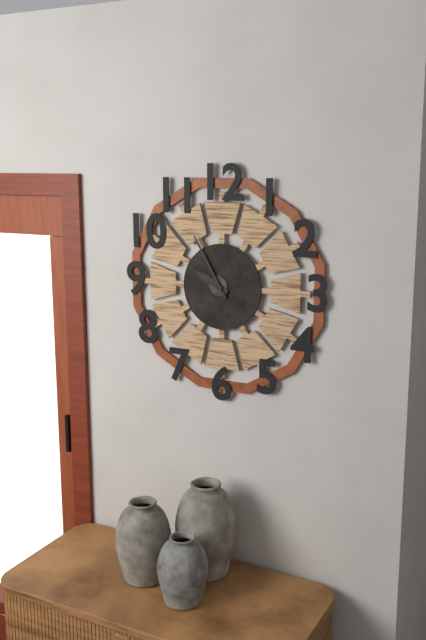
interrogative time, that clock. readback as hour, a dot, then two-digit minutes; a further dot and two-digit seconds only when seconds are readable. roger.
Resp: 9.55
